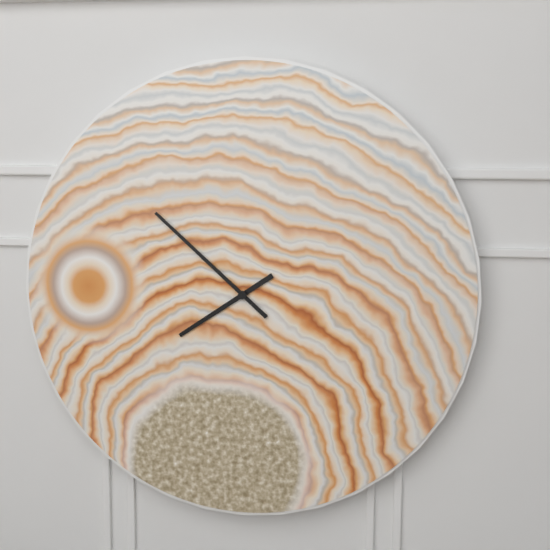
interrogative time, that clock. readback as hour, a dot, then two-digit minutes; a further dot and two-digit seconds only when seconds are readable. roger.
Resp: 7.52
